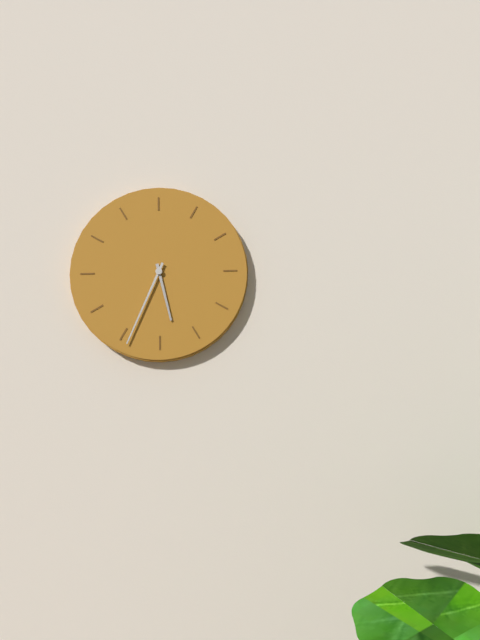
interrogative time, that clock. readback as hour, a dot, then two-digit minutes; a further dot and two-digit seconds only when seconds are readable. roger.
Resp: 5.34
